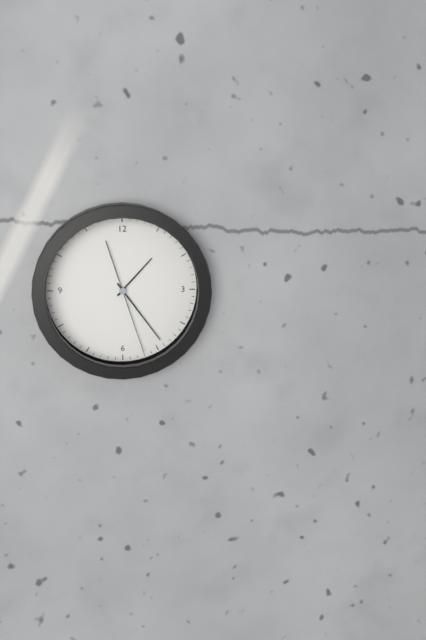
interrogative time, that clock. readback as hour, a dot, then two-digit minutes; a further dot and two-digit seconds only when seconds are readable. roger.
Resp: 1.24.27
